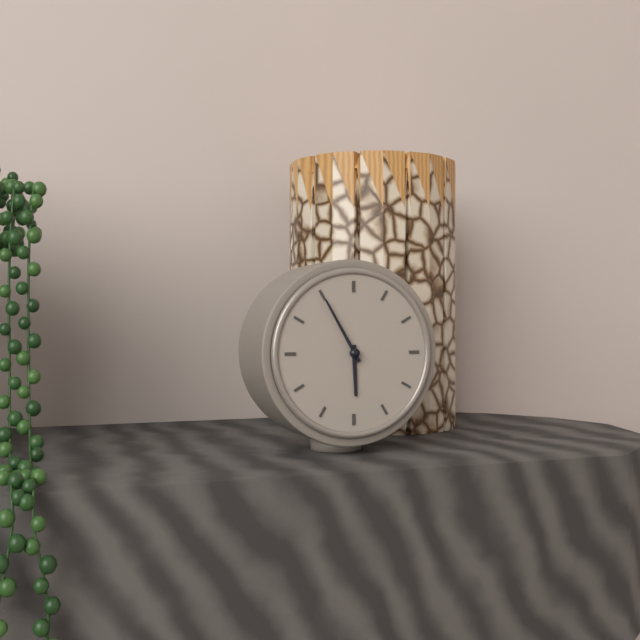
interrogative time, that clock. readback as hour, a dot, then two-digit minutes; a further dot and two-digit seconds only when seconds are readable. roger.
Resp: 5.55
